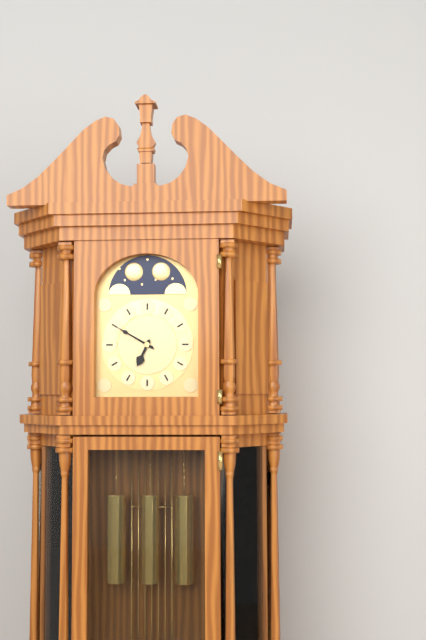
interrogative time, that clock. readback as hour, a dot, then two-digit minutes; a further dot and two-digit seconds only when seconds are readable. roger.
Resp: 6.50
